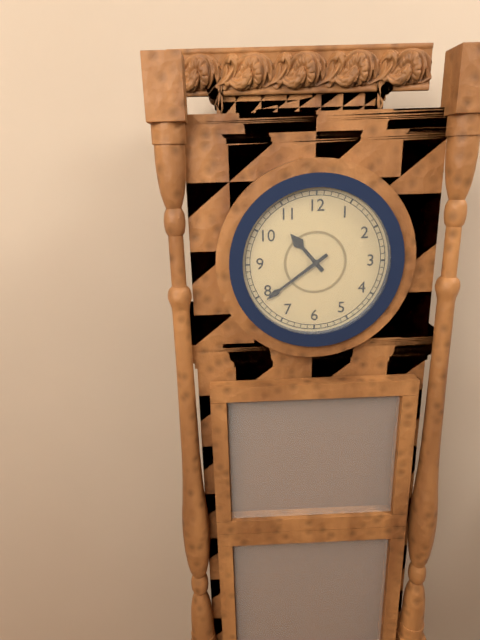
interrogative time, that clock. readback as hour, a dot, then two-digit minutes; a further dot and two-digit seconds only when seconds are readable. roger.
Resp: 10.39
